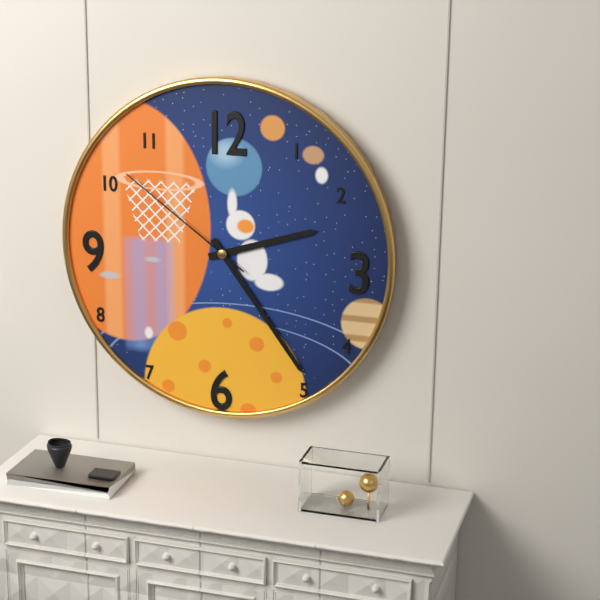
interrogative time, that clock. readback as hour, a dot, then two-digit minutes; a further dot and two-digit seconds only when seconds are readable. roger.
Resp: 2.24.51
